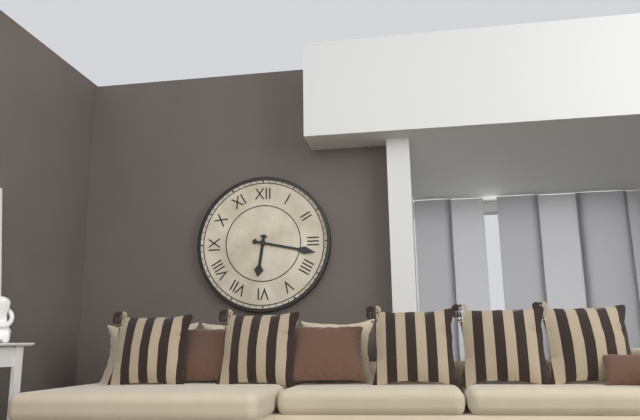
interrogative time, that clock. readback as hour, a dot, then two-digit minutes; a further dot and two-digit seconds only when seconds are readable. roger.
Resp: 6.17
